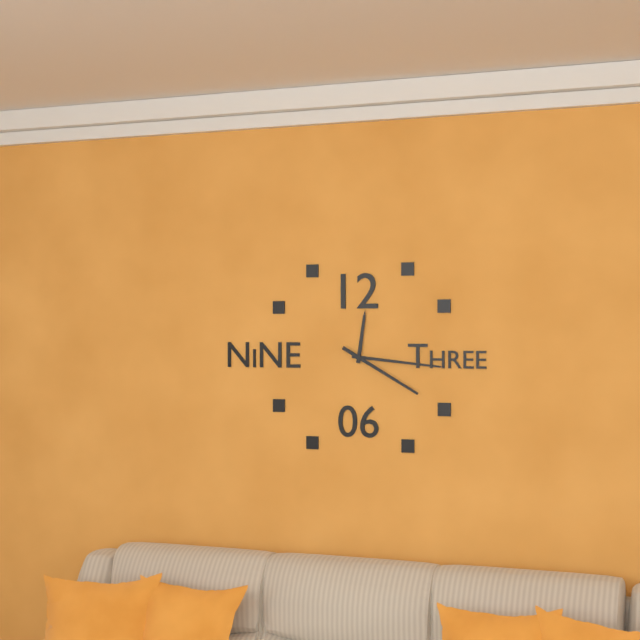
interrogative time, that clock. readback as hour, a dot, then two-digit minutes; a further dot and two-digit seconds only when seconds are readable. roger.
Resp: 12.16.20
